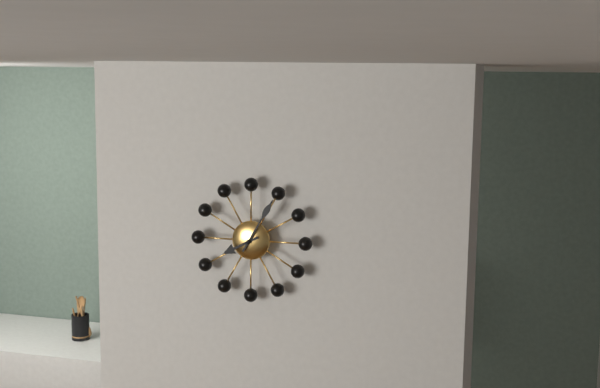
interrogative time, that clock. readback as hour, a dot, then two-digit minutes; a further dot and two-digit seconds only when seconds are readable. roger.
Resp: 8.05
